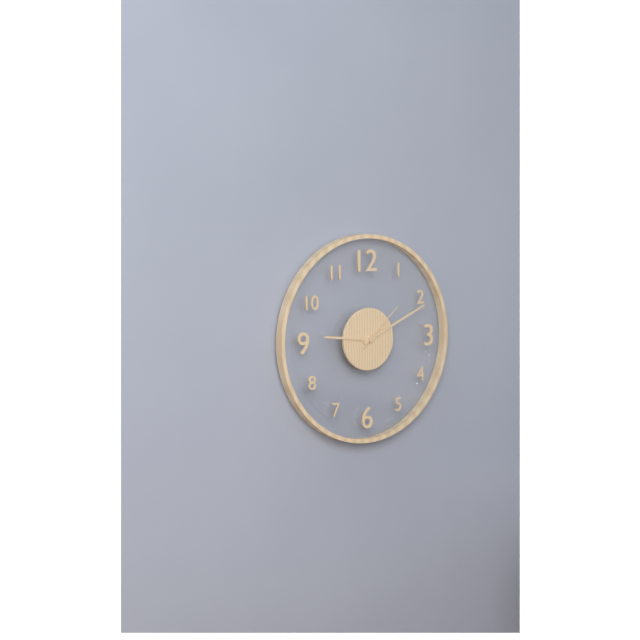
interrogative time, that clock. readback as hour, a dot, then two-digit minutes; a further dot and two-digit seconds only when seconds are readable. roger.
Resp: 9.11.08
